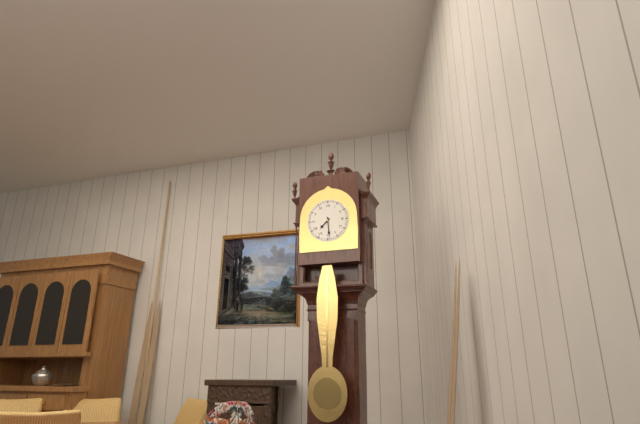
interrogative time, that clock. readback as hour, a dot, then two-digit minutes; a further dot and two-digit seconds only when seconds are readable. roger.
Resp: 7.29
